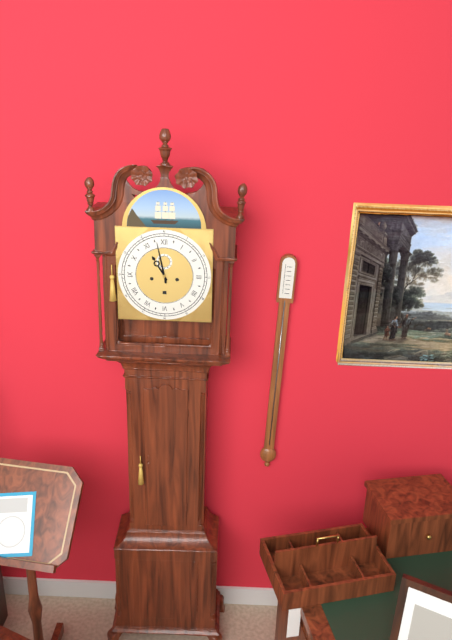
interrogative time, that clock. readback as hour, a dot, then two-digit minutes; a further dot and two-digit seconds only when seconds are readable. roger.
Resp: 10.58
